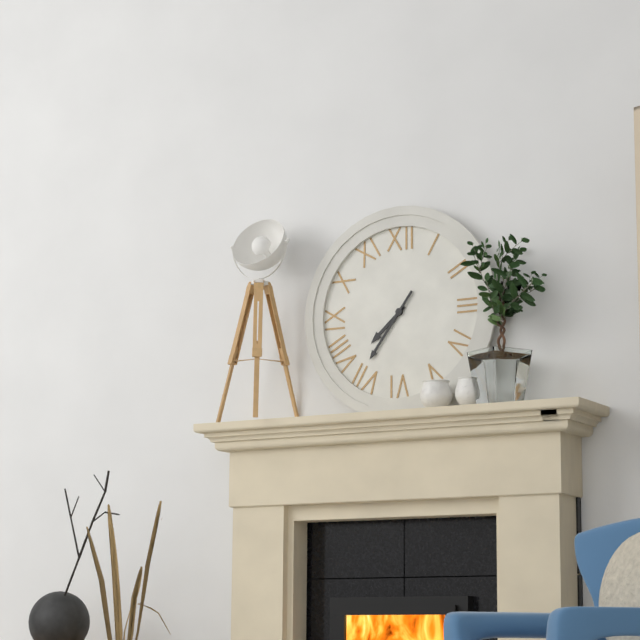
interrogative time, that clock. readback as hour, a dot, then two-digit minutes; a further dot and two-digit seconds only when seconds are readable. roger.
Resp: 7.36
